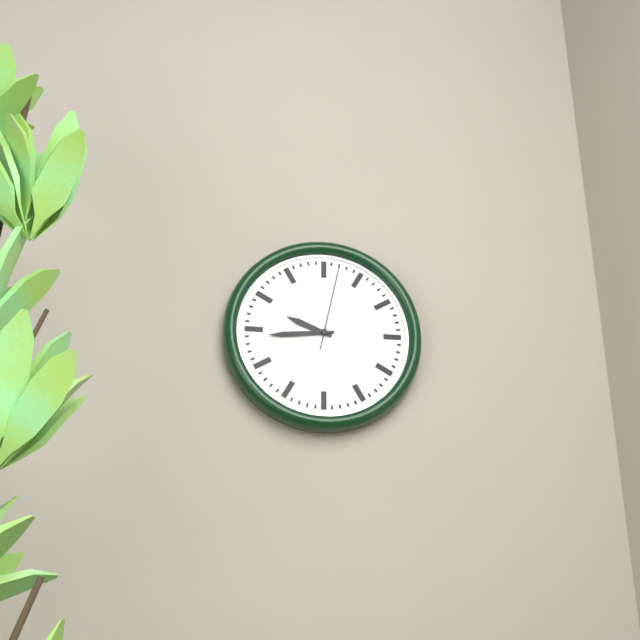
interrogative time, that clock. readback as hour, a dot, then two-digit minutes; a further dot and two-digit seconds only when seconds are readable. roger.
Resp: 9.44.02
